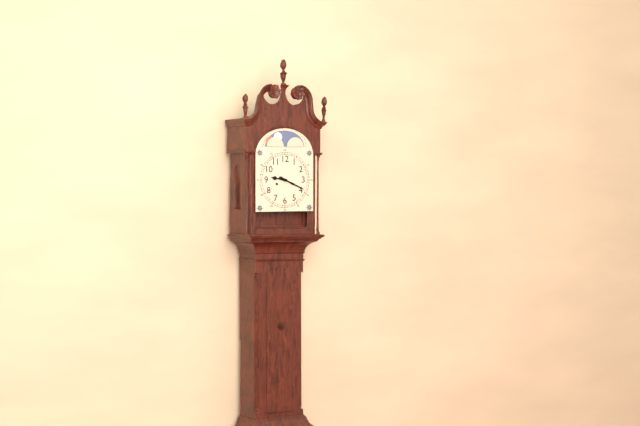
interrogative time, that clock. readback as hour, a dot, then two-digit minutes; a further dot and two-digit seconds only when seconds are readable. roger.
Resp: 9.19
